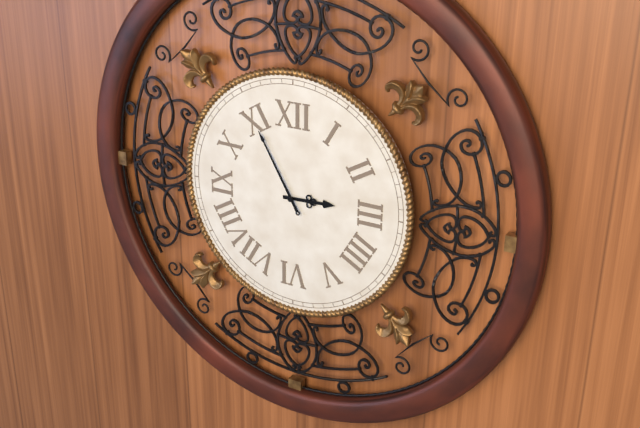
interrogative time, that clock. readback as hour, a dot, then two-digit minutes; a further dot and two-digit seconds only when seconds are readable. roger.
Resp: 2.55
